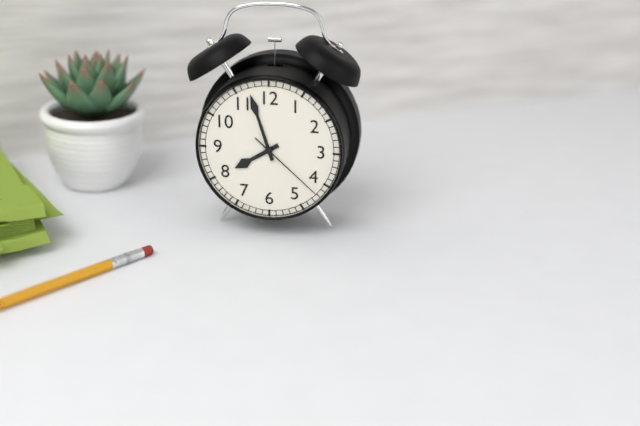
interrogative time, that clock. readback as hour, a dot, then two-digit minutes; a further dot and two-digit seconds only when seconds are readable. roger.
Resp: 7.57.22
